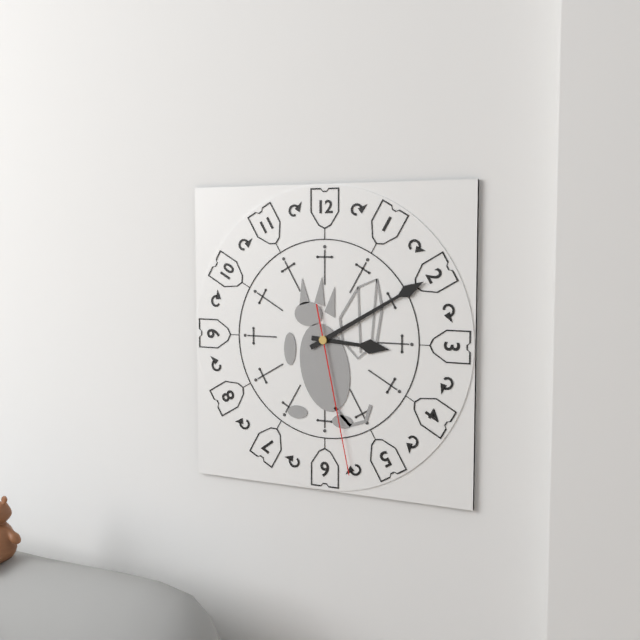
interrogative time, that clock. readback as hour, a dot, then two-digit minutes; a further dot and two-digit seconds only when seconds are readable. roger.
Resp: 3.10.28
